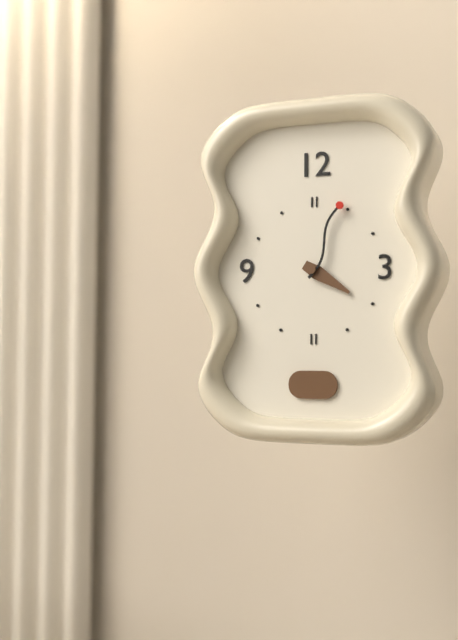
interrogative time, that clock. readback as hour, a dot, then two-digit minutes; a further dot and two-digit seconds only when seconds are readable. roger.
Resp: 4.04
